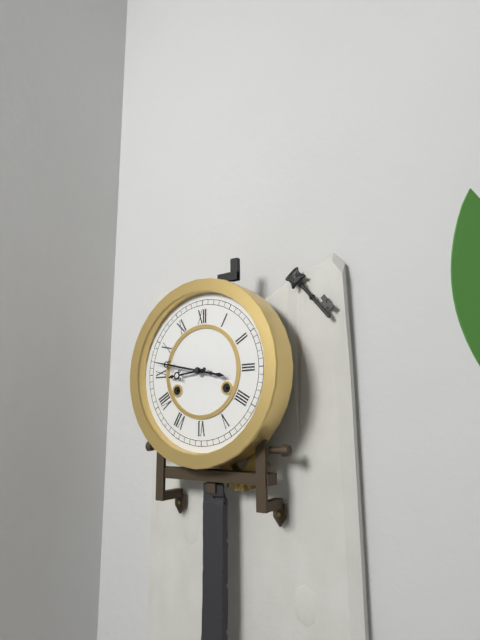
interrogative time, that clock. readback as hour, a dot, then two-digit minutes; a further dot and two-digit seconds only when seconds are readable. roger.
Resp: 8.47
